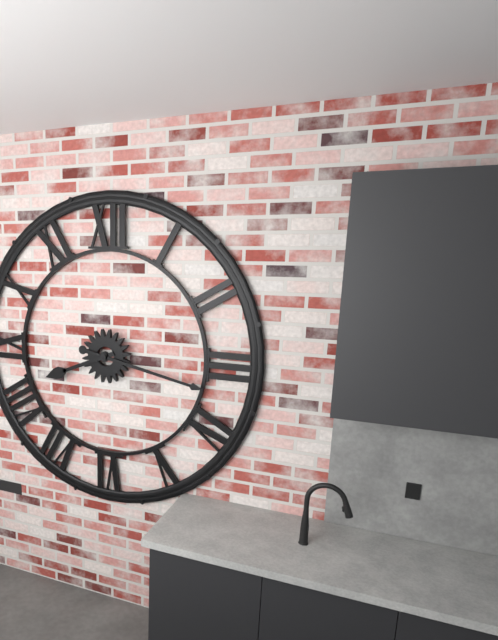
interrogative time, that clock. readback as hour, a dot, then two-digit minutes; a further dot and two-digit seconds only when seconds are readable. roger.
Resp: 8.17
